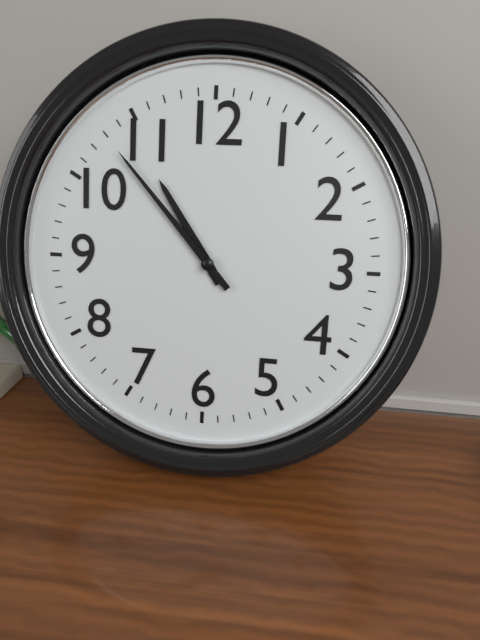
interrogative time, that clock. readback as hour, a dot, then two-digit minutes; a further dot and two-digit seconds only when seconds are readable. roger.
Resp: 10.53
